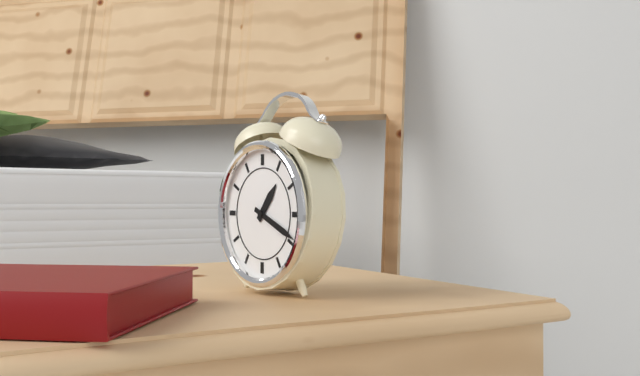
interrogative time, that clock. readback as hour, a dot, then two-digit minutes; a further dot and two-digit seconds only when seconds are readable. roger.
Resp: 1.19
